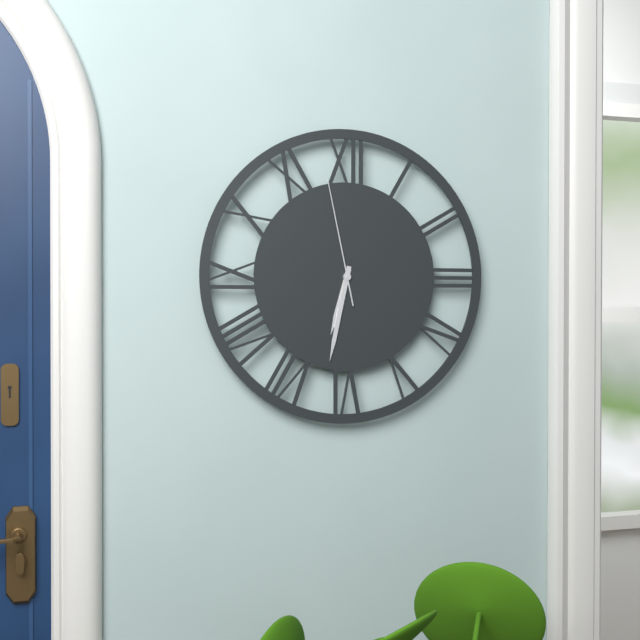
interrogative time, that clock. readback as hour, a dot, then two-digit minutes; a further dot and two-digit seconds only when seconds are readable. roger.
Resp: 6.32.58
